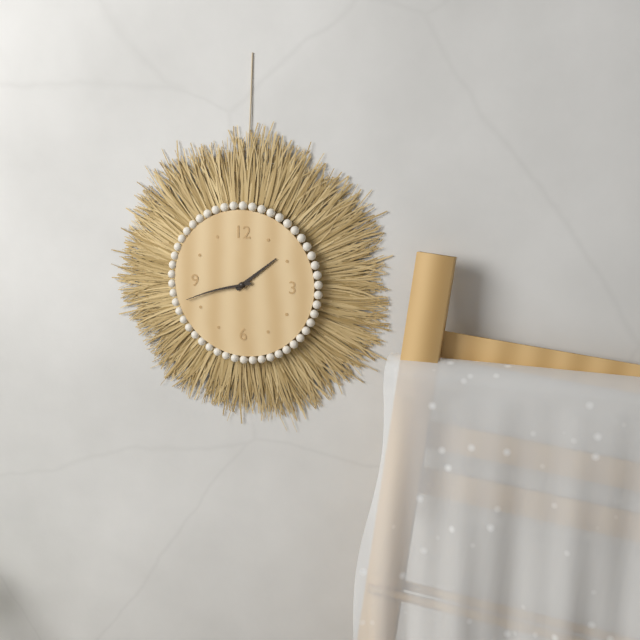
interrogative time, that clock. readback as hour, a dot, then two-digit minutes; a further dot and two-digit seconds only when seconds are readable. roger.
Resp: 1.42
